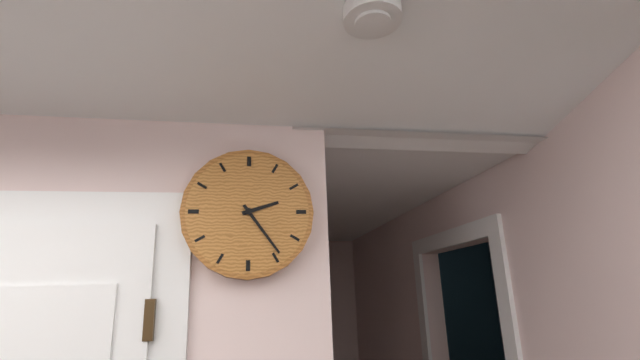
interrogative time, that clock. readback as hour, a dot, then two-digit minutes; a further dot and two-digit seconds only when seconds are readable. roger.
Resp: 2.24
